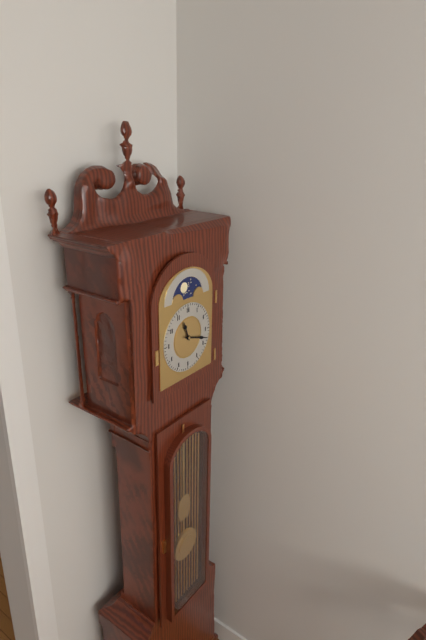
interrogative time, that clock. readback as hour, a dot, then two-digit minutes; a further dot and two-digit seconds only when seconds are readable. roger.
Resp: 11.18
